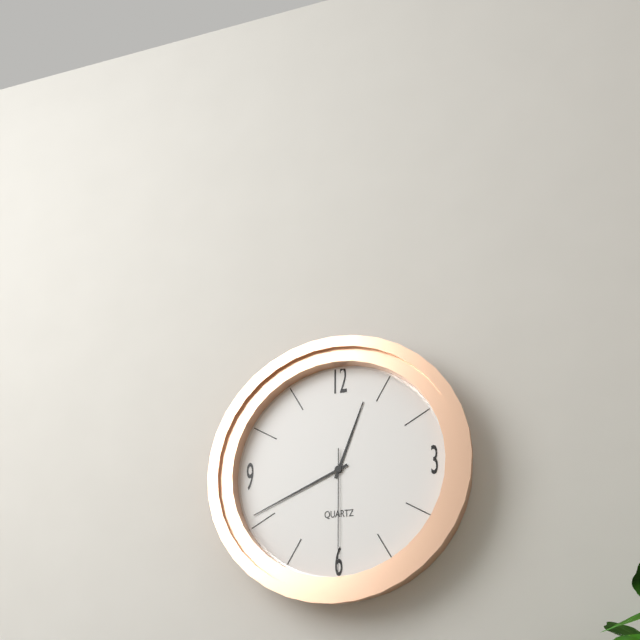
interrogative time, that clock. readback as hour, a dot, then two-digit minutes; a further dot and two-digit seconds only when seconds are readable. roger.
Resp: 12.41.30
